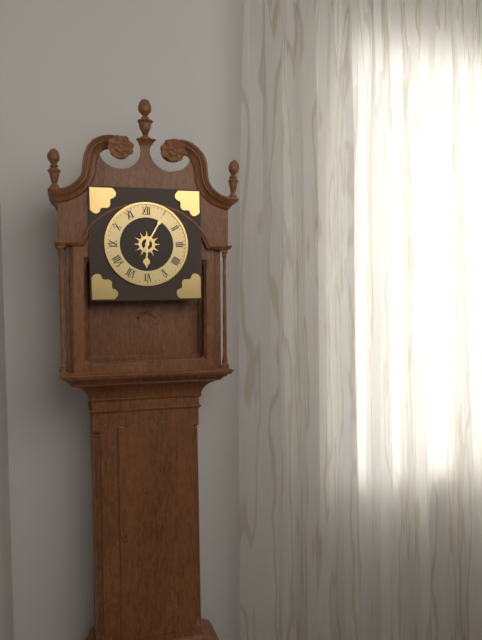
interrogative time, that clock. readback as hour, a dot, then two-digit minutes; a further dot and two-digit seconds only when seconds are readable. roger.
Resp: 6.05
